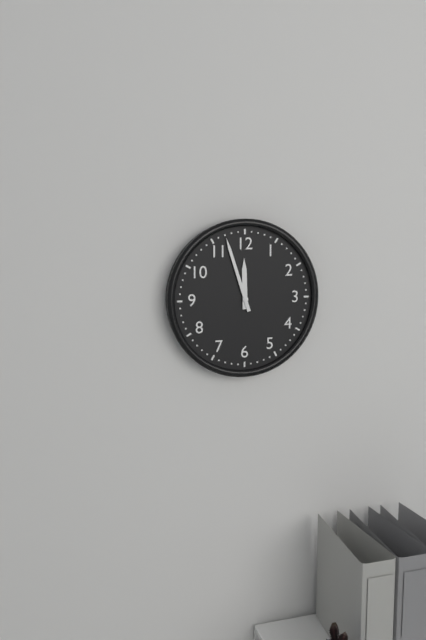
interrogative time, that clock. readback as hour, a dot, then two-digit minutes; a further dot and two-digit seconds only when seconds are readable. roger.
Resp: 11.57
